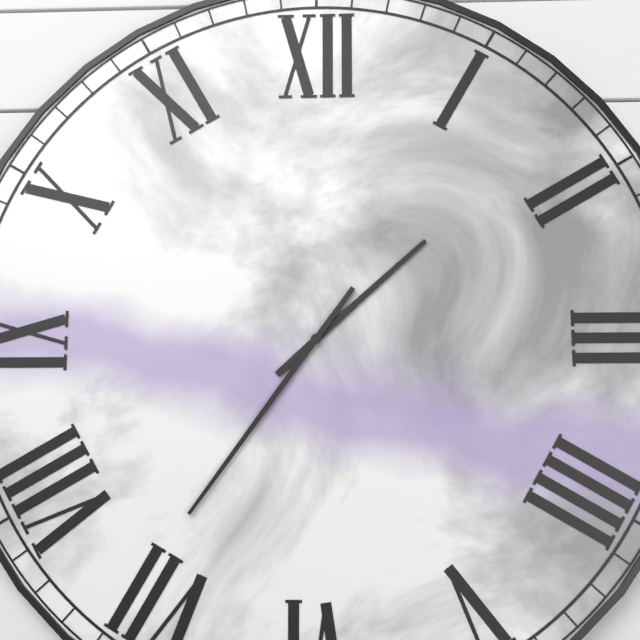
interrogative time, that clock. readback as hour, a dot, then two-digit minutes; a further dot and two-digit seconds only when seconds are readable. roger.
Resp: 1.36
